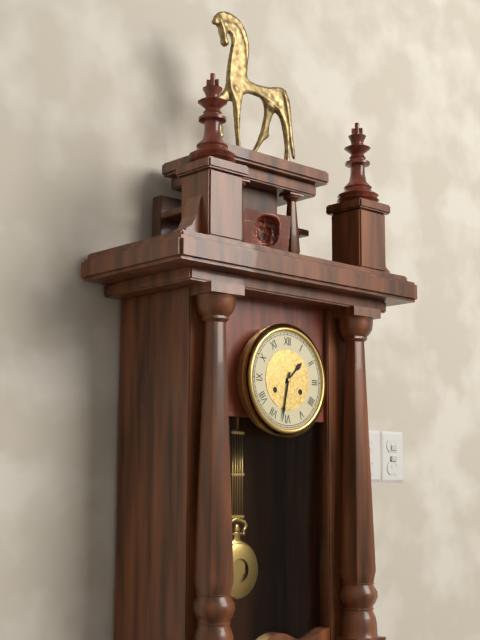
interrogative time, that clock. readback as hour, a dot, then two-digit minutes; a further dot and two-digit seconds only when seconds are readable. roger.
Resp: 1.32
